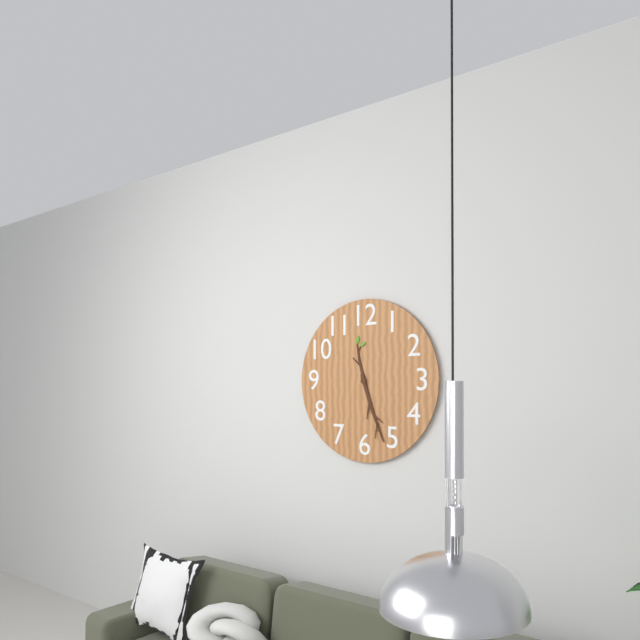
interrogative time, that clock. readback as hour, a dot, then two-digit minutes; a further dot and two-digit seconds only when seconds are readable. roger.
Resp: 11.27
